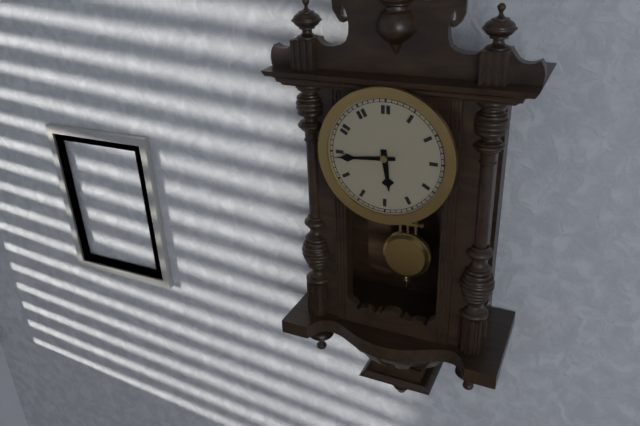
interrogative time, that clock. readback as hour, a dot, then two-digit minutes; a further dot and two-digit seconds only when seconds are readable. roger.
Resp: 5.44
